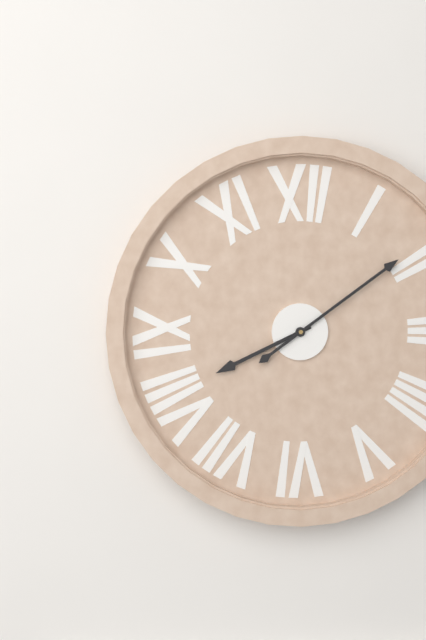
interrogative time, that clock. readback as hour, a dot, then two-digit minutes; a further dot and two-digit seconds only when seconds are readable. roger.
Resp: 8.09
